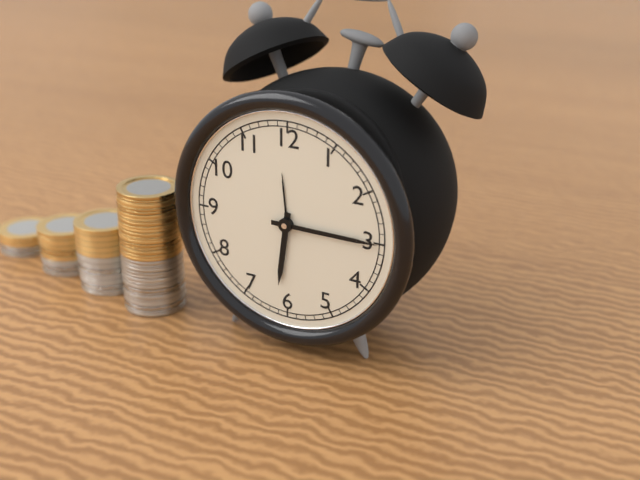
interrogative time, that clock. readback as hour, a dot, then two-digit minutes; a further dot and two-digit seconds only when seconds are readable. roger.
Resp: 6.15
